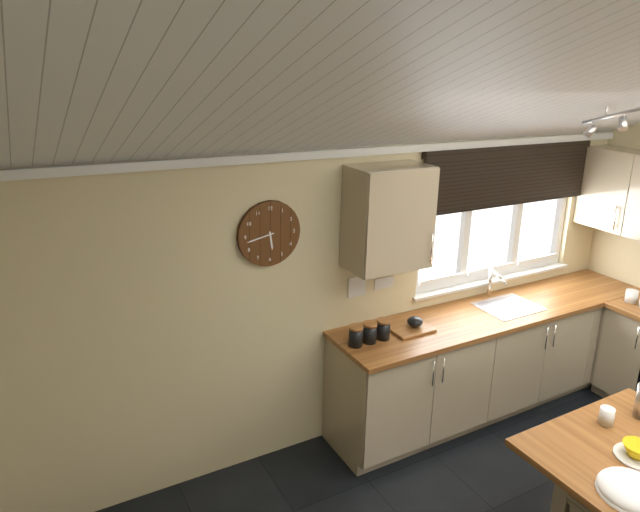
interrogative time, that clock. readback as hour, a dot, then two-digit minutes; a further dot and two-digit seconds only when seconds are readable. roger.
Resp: 5.43
